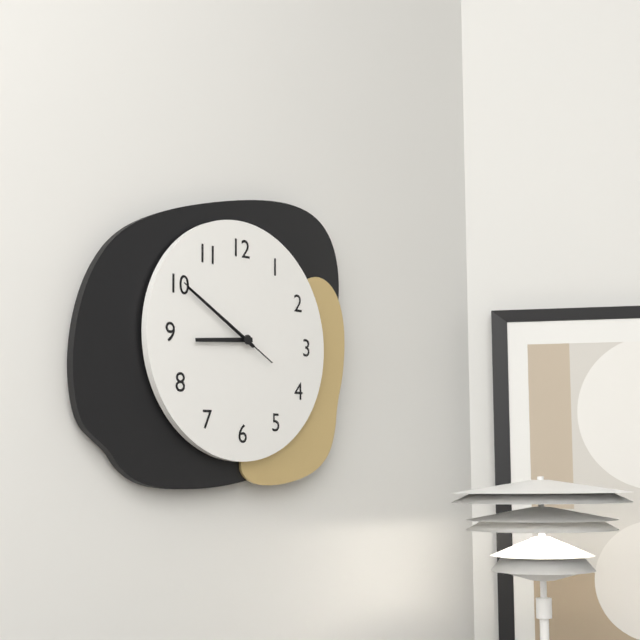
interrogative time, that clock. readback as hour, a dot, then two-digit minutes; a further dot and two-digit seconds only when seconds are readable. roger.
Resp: 8.50.50
